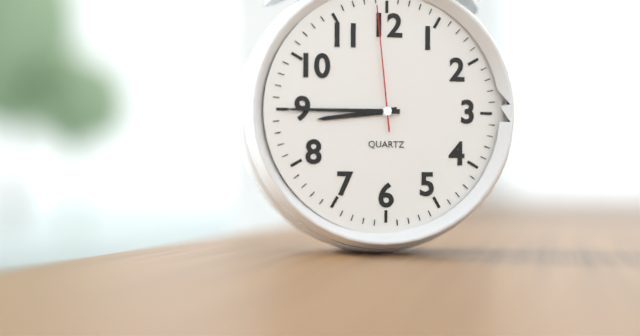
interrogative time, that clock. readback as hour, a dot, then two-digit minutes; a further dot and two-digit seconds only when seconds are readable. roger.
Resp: 8.45.59
